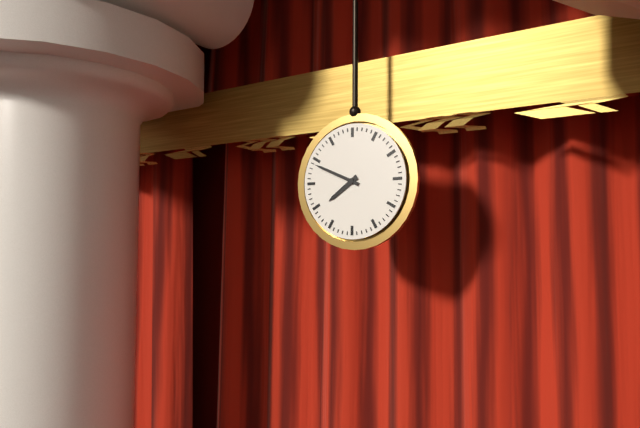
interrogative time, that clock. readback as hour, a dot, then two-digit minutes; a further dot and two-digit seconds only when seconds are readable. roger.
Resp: 7.49
